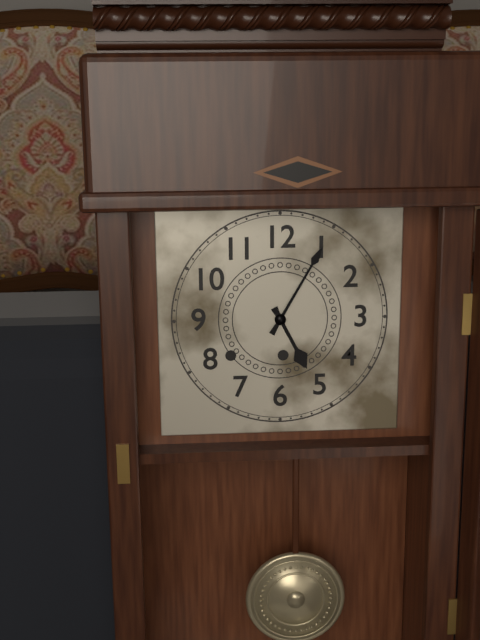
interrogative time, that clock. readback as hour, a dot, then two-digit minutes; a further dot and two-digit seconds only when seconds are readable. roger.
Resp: 5.05
